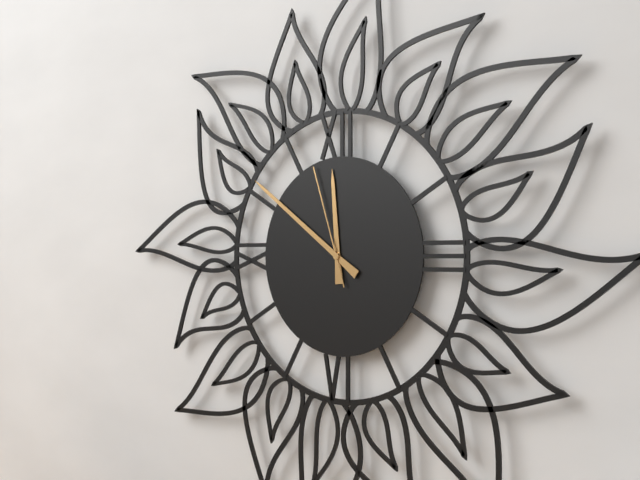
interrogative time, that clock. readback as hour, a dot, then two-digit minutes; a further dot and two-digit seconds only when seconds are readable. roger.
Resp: 11.51.57
